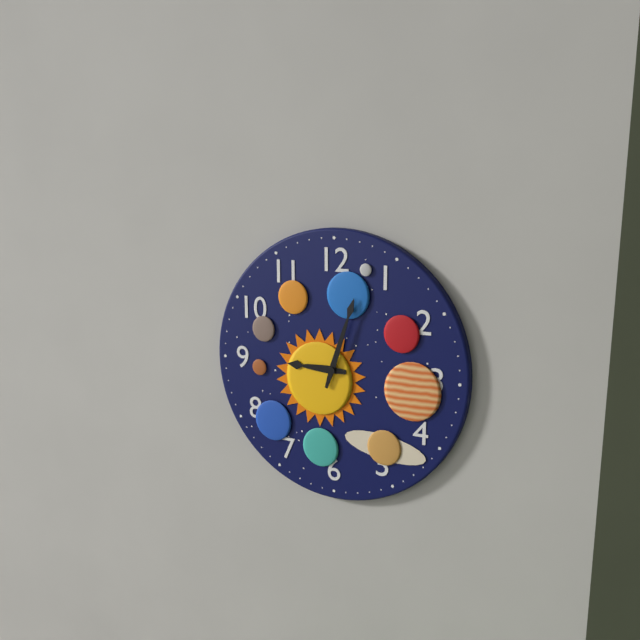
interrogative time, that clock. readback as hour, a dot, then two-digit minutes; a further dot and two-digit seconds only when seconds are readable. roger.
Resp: 9.03
